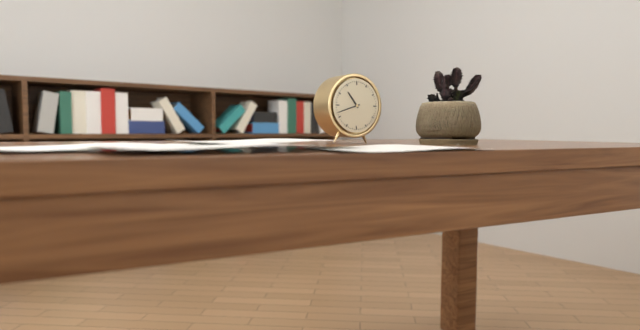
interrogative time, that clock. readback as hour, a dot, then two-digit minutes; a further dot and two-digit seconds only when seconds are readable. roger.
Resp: 10.42
